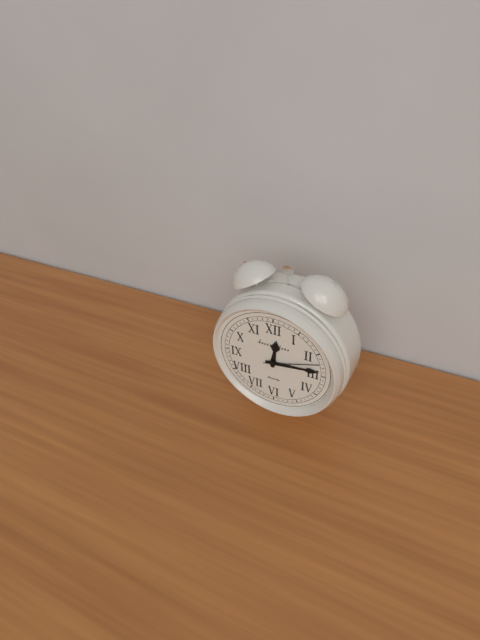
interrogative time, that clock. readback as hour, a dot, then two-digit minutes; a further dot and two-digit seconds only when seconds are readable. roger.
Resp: 12.14.12
